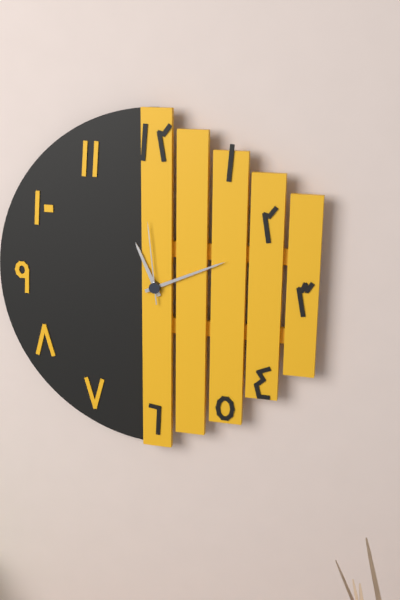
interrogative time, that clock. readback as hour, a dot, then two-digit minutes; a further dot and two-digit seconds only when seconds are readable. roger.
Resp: 11.11.59
